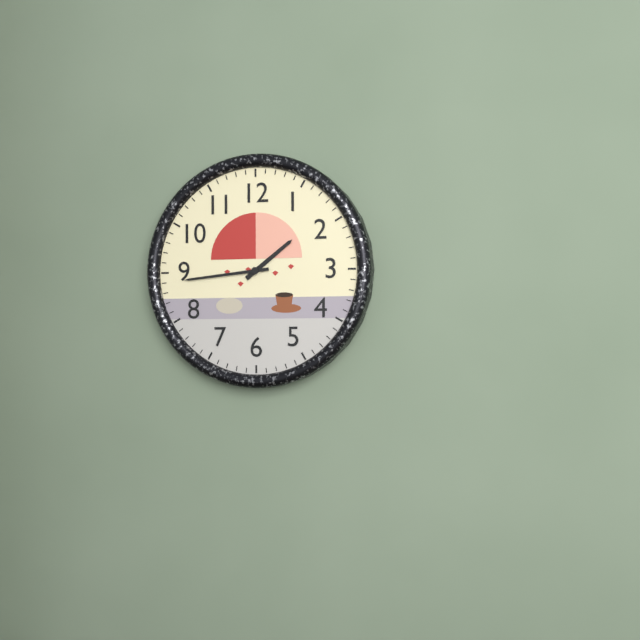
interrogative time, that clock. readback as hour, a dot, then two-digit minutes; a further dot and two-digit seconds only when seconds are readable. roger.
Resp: 1.44
